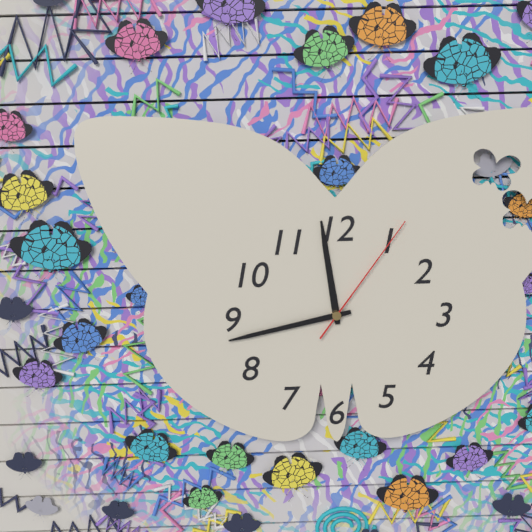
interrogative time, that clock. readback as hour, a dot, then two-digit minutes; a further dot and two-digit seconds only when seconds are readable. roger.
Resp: 11.43.06
